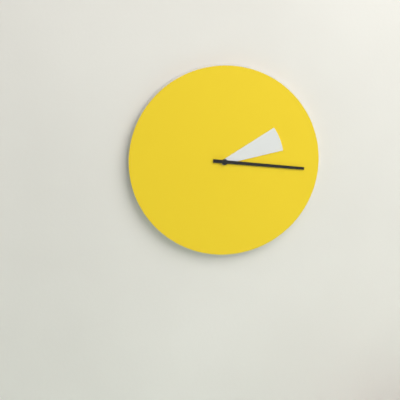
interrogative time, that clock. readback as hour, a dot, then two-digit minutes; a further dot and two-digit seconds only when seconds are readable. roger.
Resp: 2.16
